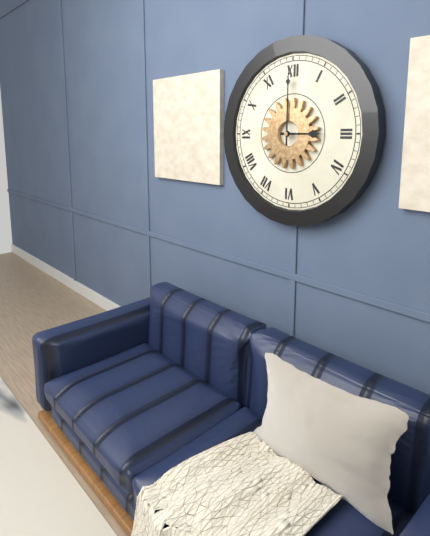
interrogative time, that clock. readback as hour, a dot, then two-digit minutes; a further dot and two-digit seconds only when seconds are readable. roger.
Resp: 3.00
